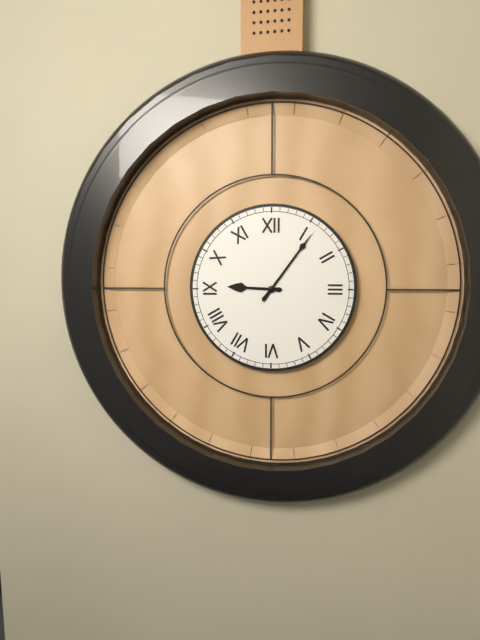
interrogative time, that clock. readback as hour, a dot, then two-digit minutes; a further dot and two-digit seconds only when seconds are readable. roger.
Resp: 9.06
